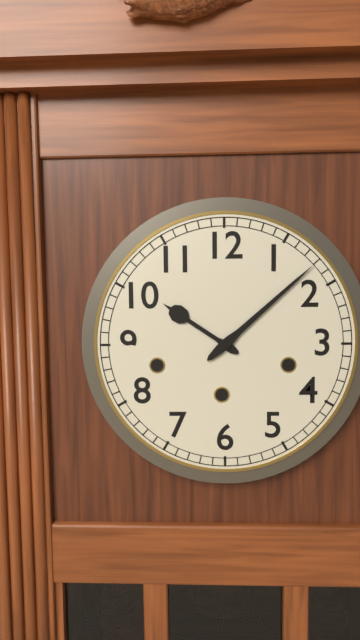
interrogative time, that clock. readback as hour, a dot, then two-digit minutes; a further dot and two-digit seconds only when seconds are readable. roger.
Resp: 10.08
